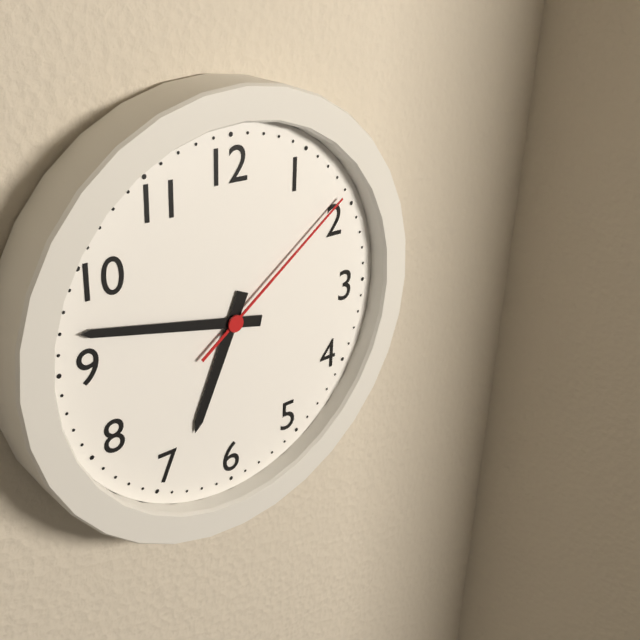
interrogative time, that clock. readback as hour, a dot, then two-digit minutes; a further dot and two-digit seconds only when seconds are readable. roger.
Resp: 6.47.09
